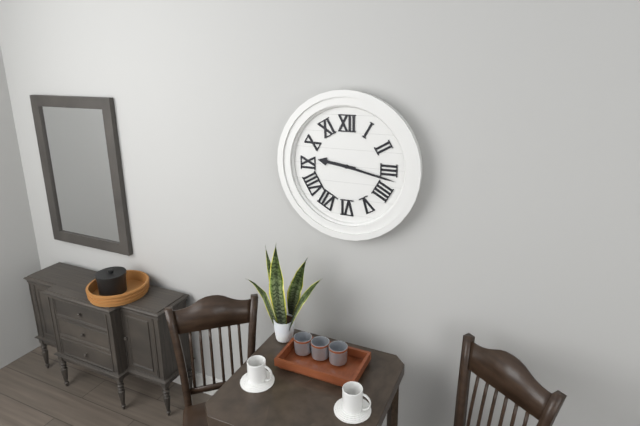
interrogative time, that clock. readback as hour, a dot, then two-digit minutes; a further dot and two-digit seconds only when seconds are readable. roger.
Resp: 9.17
